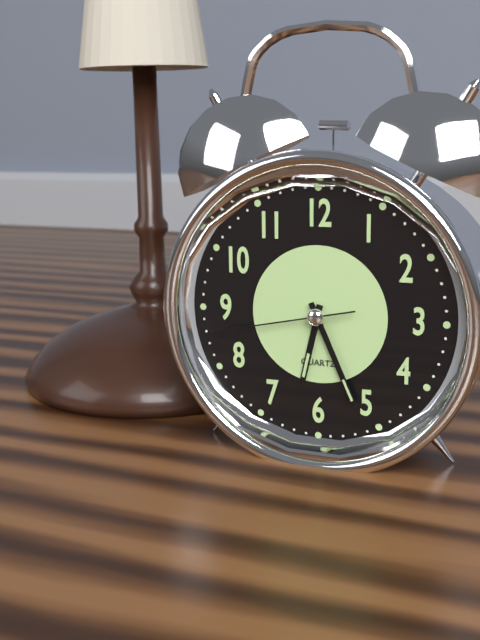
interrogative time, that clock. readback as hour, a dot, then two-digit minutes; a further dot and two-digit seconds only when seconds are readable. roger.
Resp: 6.26.43
